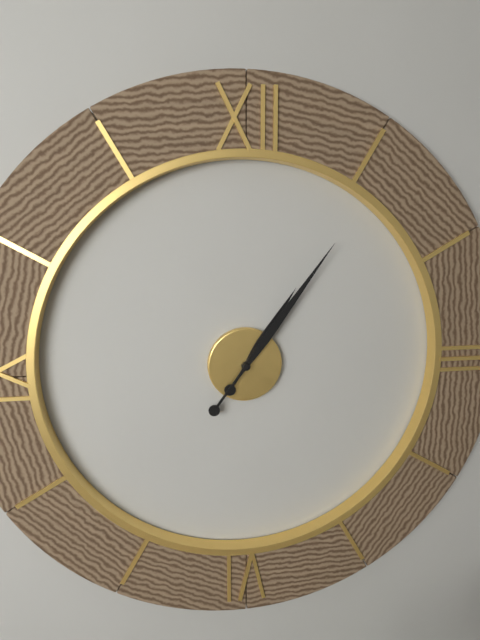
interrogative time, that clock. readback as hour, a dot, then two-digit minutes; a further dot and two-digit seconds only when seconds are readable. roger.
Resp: 1.06
